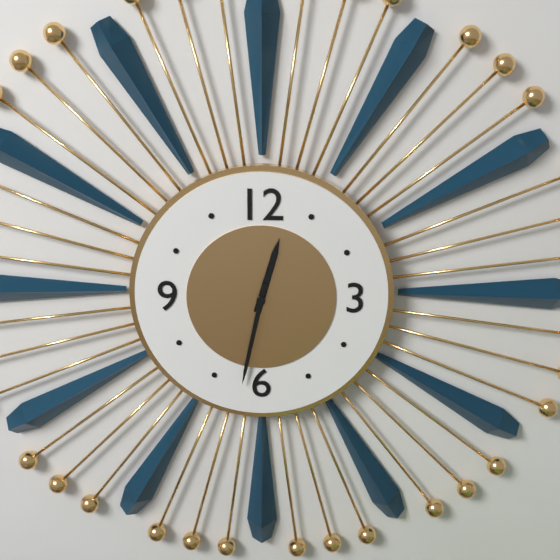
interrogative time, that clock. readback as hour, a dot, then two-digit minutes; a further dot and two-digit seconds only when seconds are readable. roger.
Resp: 12.32
